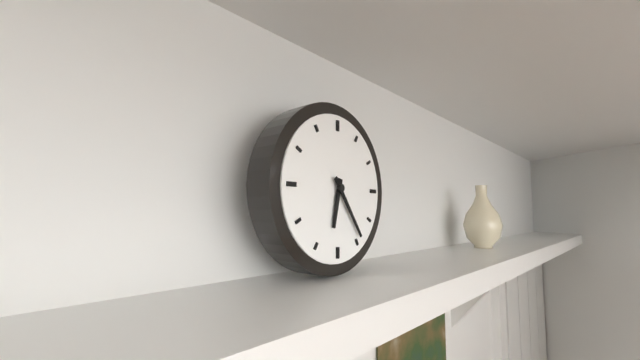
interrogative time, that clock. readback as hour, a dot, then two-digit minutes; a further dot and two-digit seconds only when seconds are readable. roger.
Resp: 6.24
